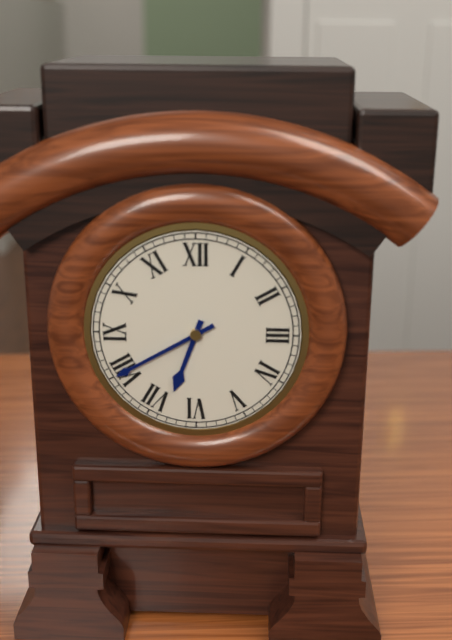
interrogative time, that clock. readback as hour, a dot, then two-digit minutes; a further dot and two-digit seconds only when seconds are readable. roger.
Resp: 6.40
